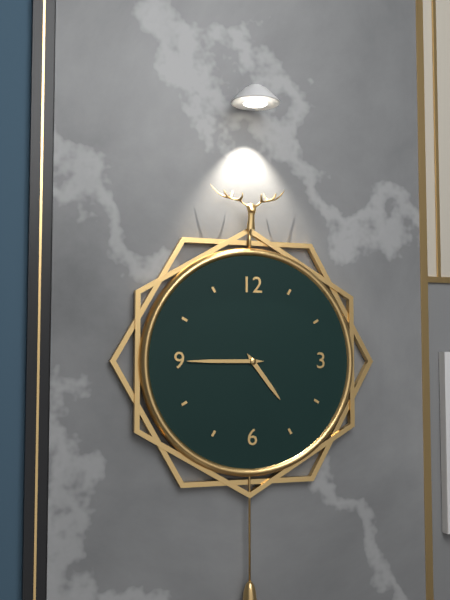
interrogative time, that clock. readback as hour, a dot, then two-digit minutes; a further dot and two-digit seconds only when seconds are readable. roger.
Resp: 4.45
